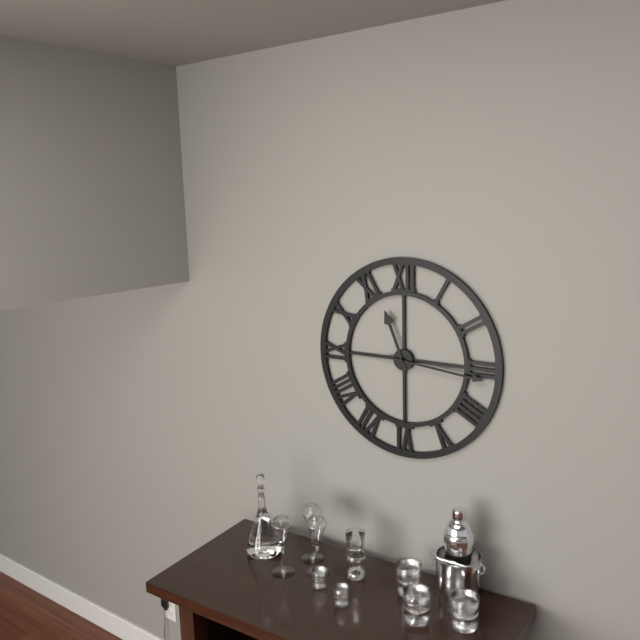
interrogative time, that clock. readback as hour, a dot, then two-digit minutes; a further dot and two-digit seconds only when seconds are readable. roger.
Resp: 11.16
